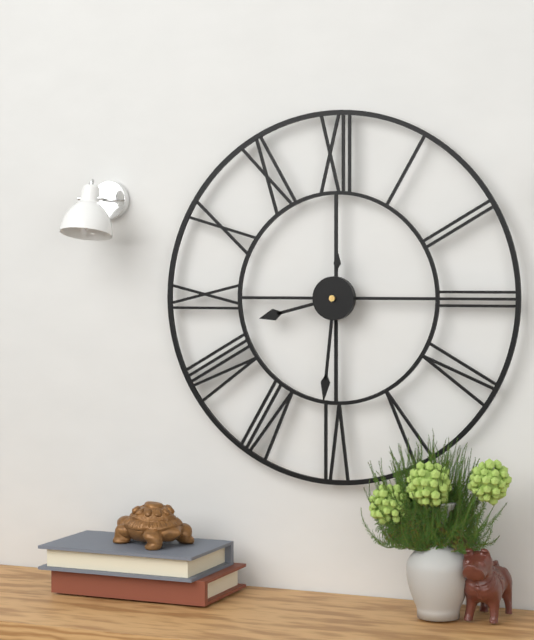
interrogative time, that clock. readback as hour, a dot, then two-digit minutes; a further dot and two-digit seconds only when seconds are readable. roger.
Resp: 8.31
